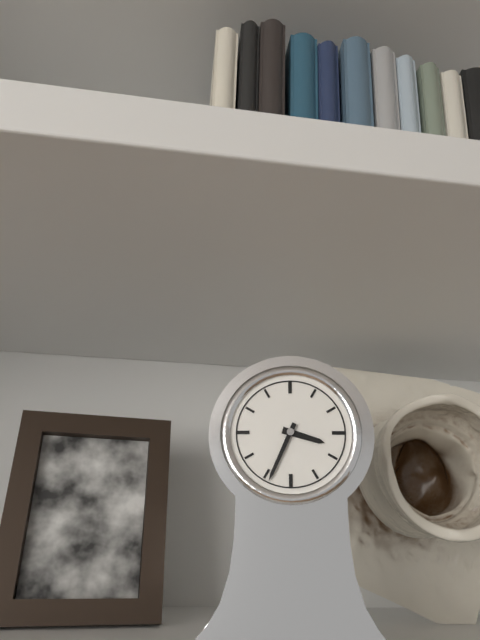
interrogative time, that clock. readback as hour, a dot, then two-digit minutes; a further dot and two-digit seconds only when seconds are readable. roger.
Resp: 3.34
